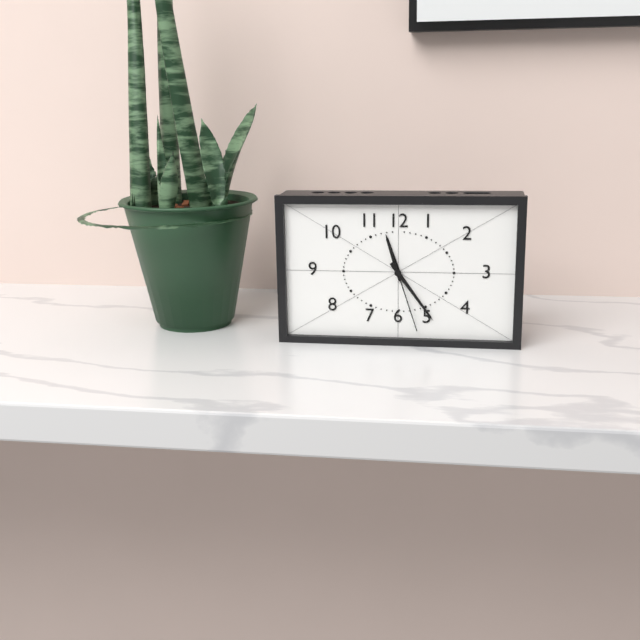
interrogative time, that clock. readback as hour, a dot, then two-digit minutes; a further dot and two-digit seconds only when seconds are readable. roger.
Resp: 11.24.27
